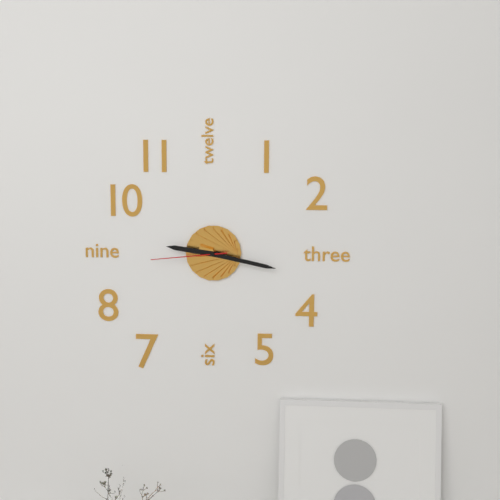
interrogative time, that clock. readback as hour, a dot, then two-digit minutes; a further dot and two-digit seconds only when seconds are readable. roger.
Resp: 9.17.44
